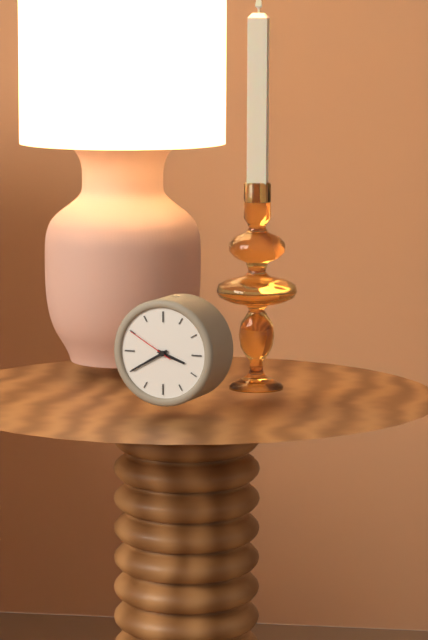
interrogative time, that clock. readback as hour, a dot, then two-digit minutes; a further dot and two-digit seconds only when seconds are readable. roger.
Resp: 3.40
